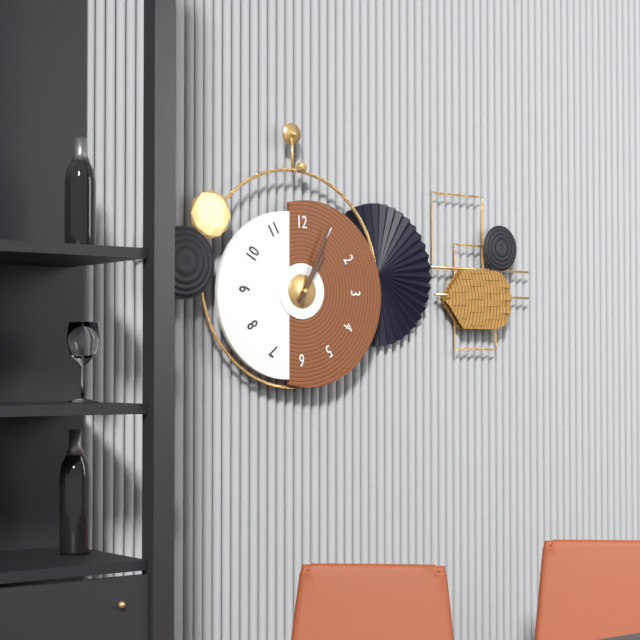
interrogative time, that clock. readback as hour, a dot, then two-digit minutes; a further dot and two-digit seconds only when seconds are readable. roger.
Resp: 1.04
